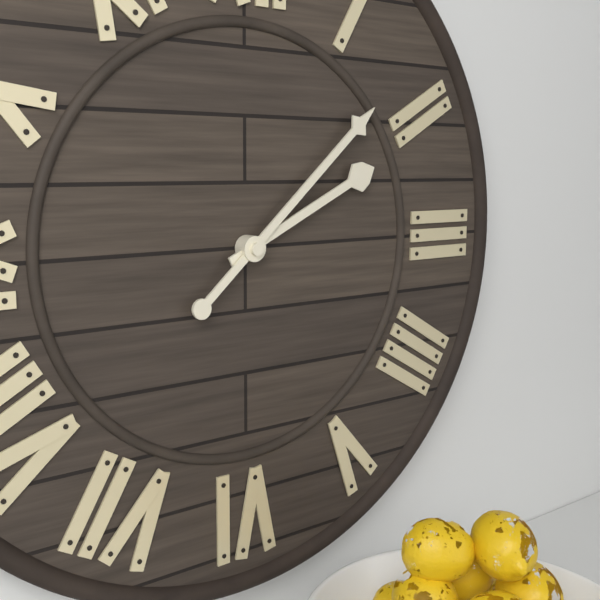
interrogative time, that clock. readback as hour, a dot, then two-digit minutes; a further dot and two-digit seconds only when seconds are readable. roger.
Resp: 2.08
